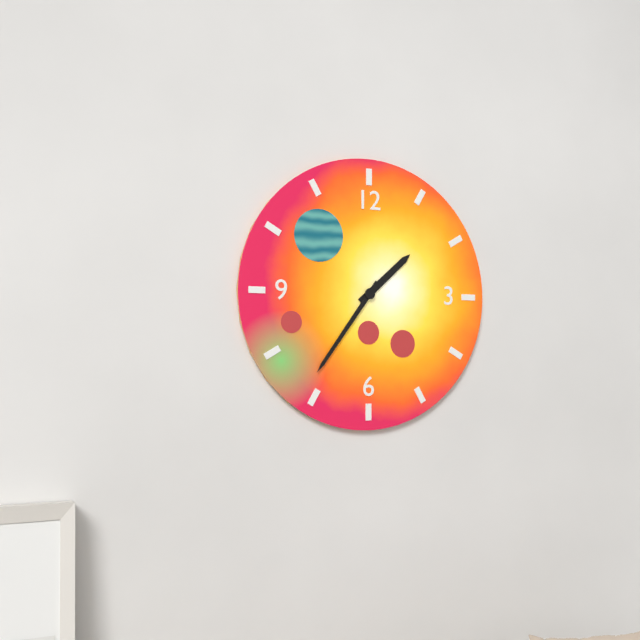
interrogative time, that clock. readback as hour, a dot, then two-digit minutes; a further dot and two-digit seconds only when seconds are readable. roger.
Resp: 1.36
